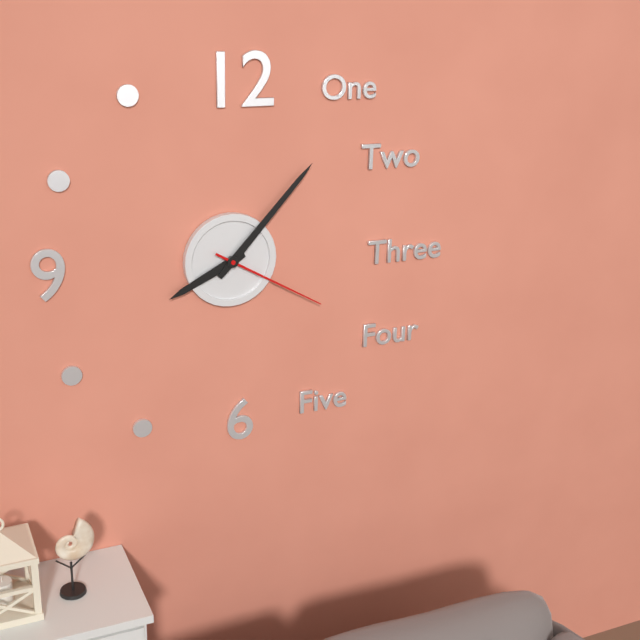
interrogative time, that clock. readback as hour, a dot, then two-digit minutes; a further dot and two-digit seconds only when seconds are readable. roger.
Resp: 8.07.20
